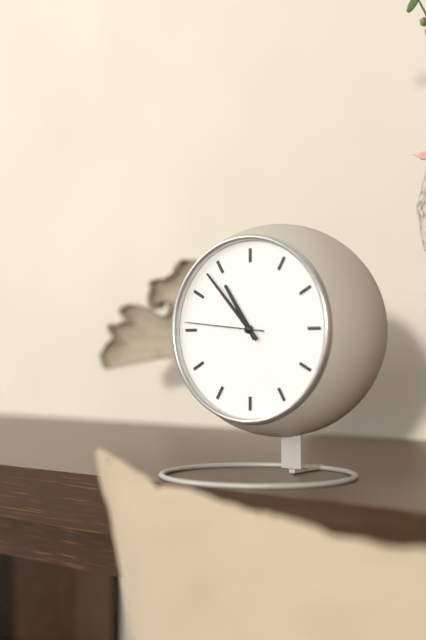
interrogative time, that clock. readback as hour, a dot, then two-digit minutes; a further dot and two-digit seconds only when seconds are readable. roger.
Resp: 10.53.46
